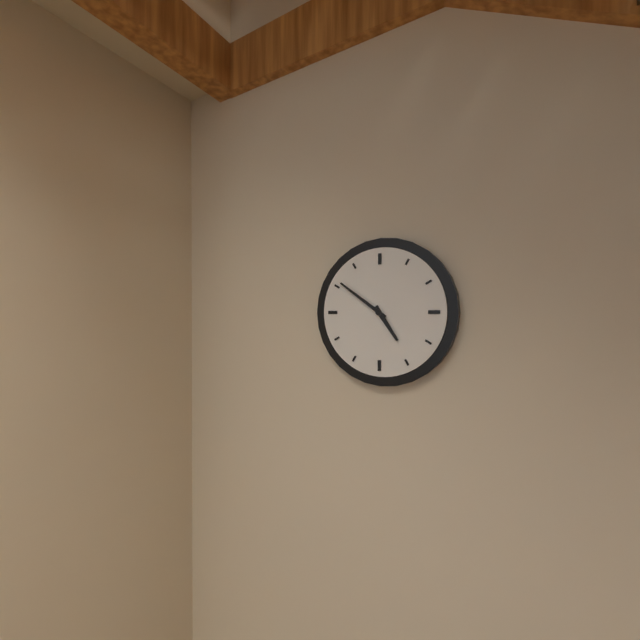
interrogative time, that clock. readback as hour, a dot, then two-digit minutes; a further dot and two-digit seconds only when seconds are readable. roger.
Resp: 4.51
